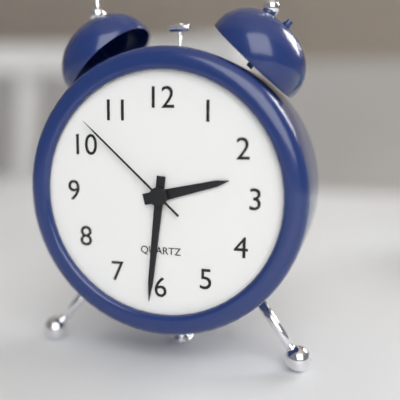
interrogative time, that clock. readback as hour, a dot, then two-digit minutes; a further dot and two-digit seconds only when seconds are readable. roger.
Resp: 2.31.52
